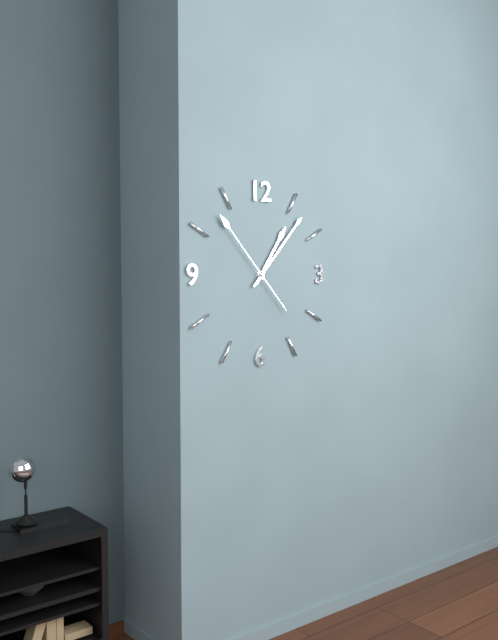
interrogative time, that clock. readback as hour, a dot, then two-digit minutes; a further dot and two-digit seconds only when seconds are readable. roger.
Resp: 1.07.53
